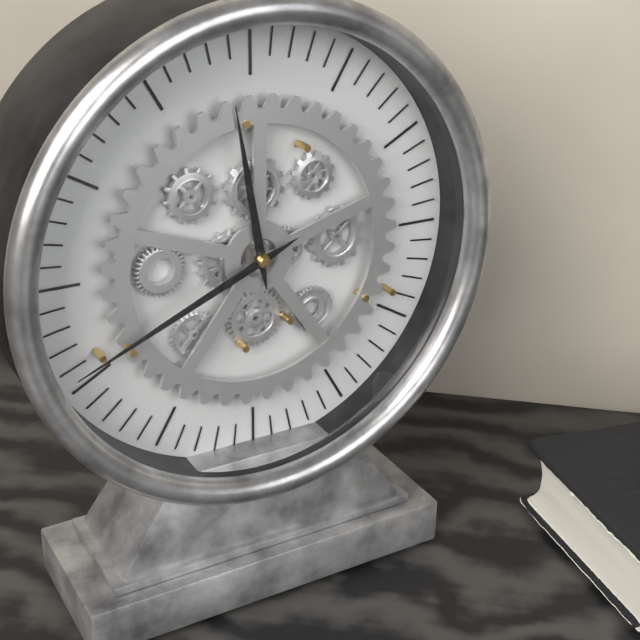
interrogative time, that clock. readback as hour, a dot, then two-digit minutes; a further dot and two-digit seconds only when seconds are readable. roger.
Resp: 11.41
